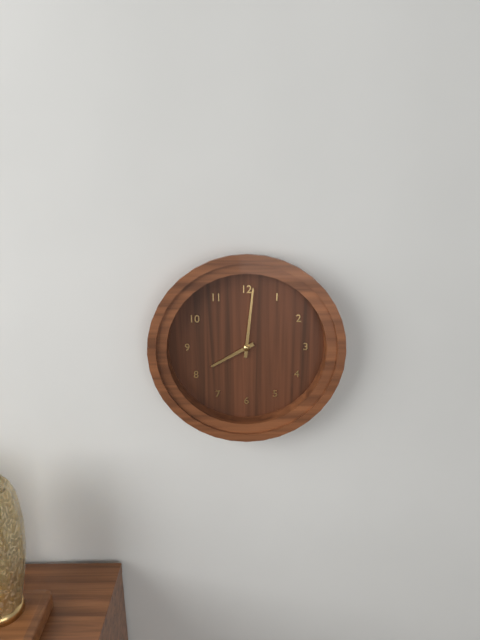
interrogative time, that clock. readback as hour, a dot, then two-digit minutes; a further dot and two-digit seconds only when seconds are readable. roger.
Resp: 8.01
